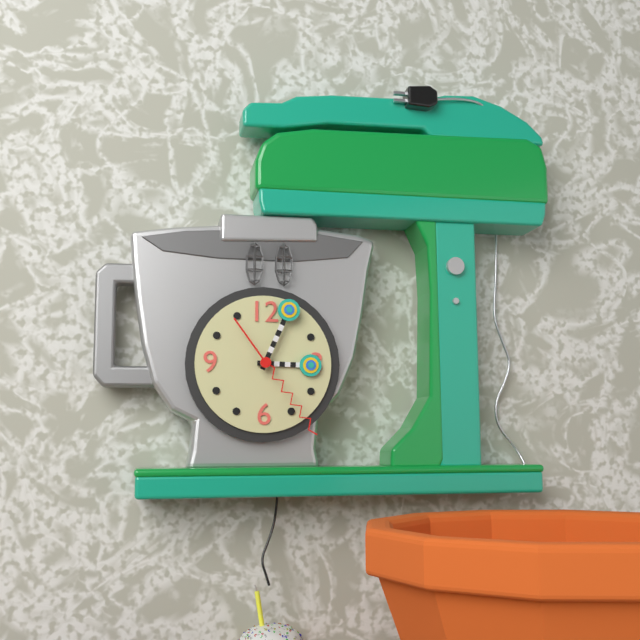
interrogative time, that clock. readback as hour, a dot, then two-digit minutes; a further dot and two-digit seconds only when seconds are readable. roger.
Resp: 3.04.24
